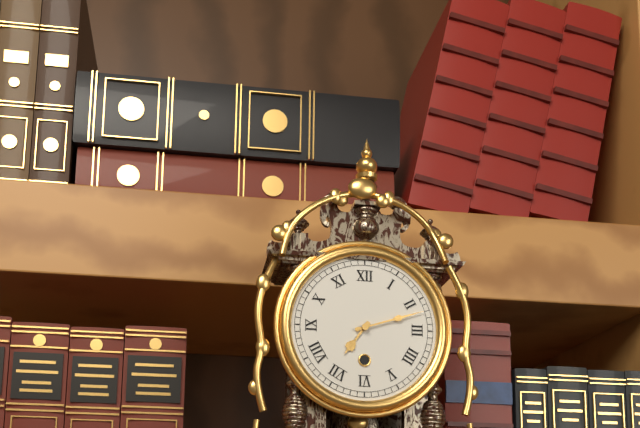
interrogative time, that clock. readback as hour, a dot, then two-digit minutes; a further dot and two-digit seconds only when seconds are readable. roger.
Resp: 7.12
